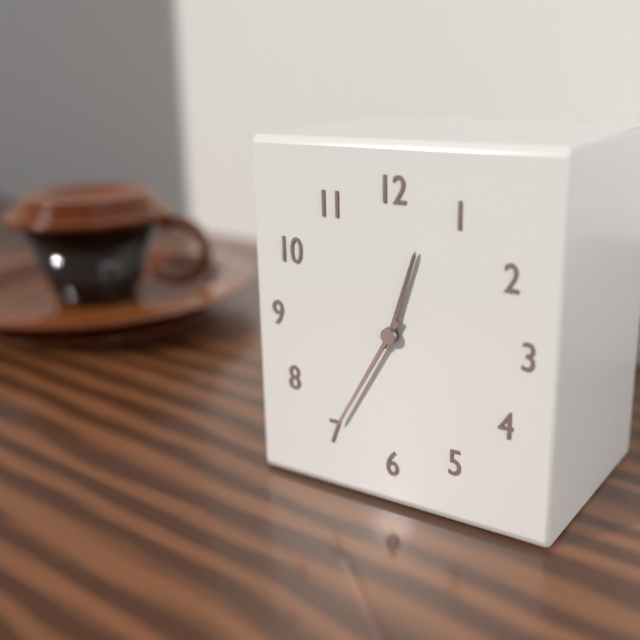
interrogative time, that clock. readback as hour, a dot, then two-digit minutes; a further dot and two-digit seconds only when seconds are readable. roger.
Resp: 12.35
